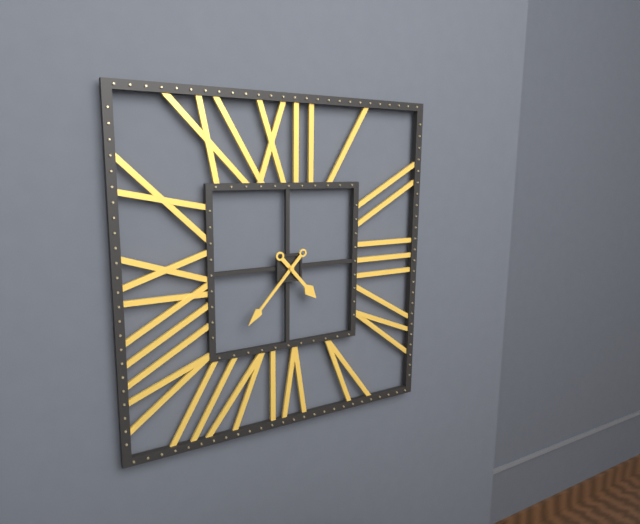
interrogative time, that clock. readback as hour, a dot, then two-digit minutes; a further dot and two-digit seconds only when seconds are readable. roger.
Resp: 4.37
